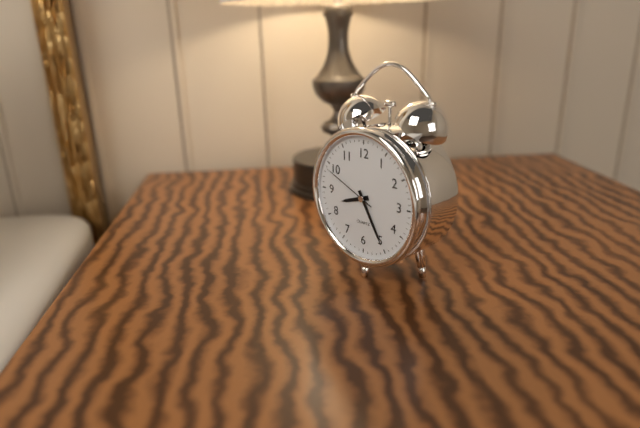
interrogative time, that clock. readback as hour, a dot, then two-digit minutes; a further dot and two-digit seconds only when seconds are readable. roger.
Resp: 8.25.49
